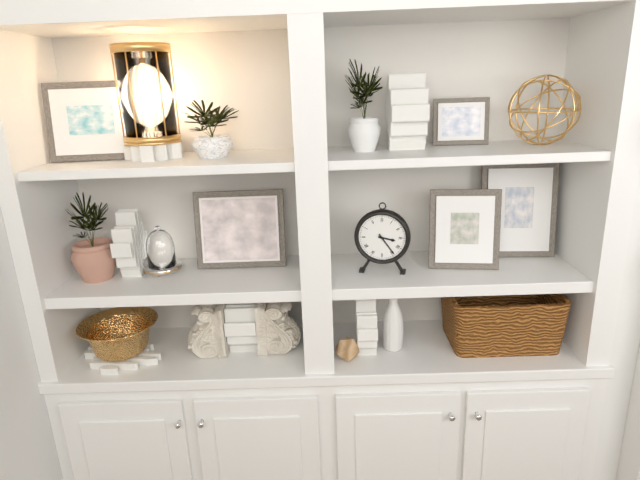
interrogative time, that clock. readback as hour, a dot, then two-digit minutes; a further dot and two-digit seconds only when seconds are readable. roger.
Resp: 3.24
